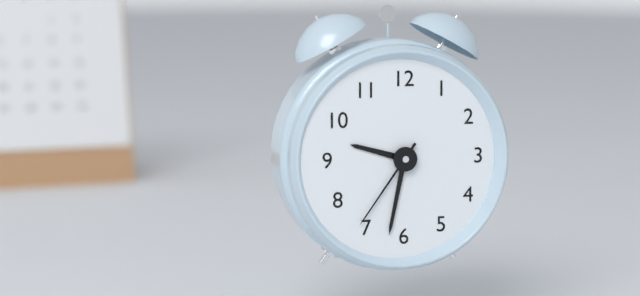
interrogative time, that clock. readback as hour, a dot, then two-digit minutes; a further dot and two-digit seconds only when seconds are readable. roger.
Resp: 9.32.36
